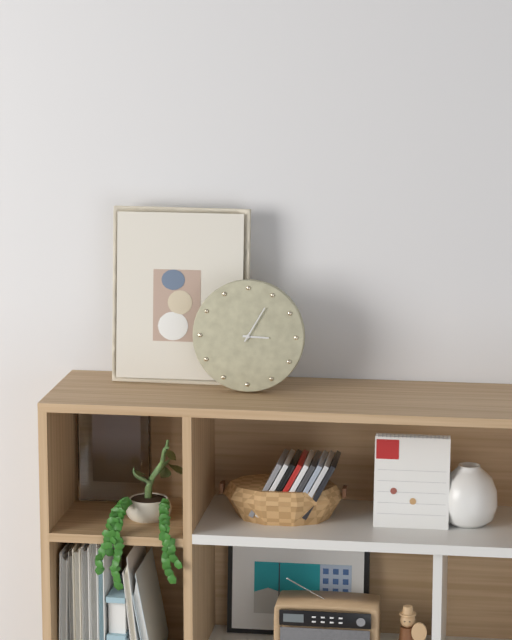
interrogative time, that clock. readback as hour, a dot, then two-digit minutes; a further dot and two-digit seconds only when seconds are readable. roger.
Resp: 3.05
